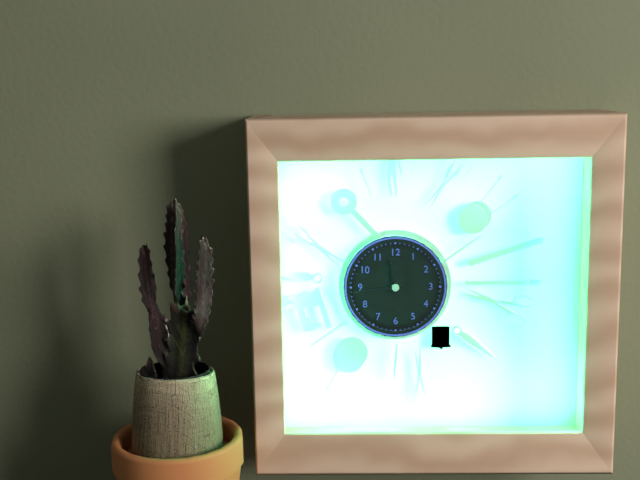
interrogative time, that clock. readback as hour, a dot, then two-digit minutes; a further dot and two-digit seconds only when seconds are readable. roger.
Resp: 11.44
